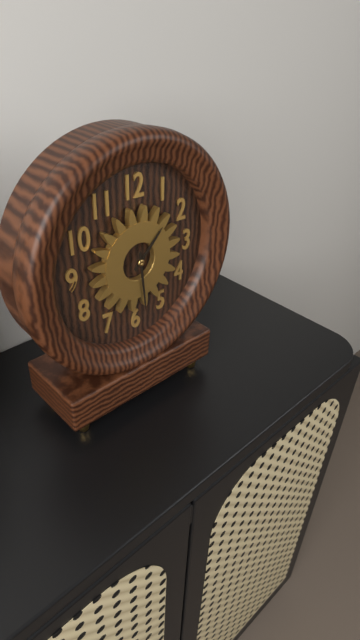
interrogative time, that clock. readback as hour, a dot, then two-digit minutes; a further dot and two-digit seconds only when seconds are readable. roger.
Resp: 1.29
